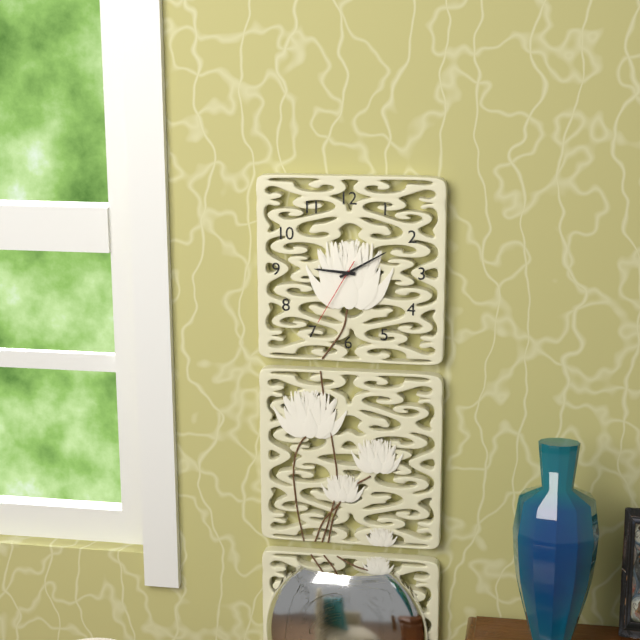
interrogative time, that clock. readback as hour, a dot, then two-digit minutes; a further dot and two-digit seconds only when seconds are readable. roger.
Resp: 9.10.35
